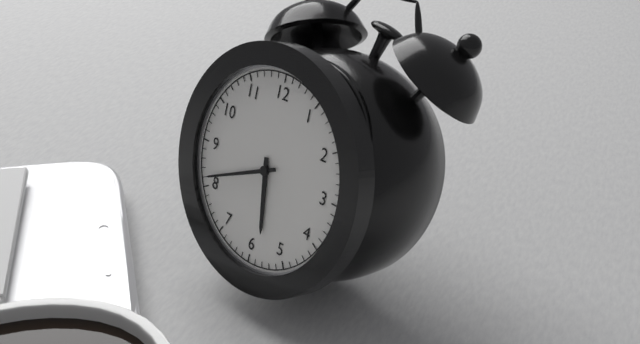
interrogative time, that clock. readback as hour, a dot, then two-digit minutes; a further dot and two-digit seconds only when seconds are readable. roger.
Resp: 5.41
